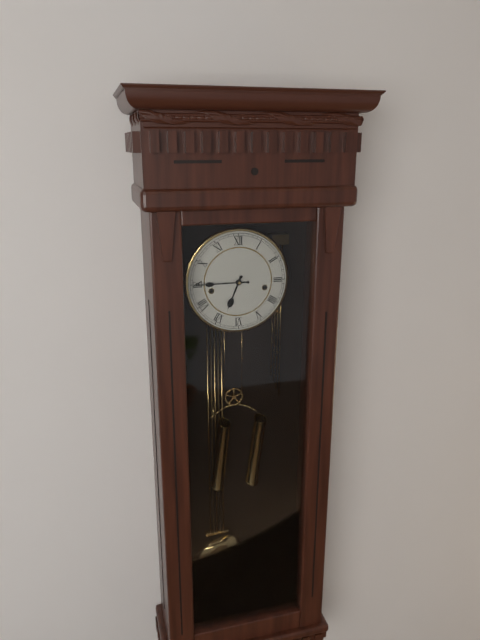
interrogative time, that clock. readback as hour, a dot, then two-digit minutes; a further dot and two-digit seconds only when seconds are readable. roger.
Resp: 6.45
